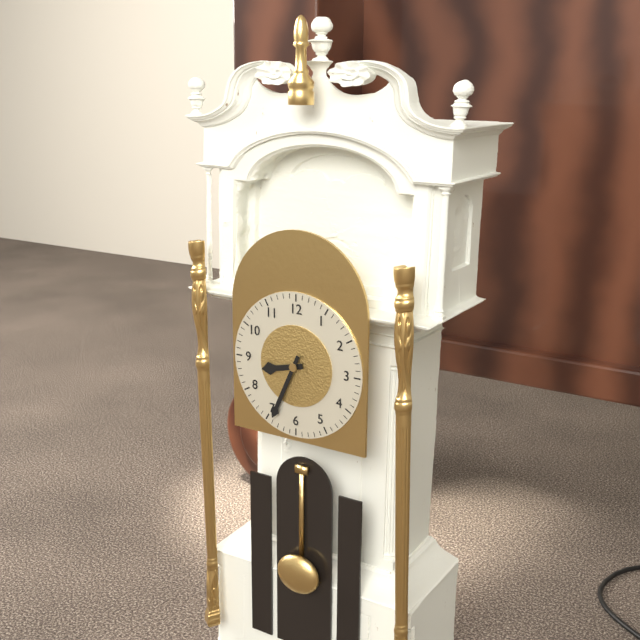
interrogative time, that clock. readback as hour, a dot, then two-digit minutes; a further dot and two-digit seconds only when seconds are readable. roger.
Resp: 8.34
